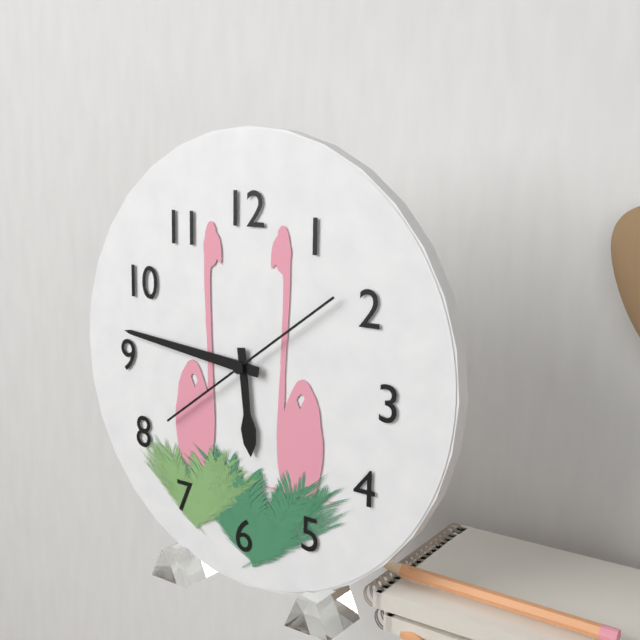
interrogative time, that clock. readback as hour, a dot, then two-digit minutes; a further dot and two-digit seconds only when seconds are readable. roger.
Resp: 5.46.09
